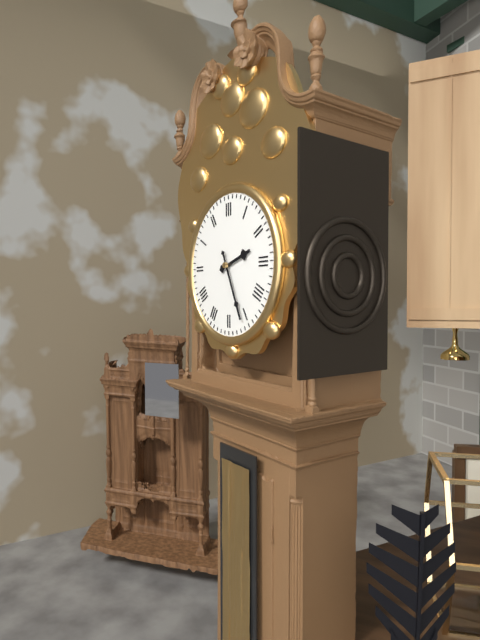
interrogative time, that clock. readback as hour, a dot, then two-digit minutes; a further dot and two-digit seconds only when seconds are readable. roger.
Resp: 2.26
